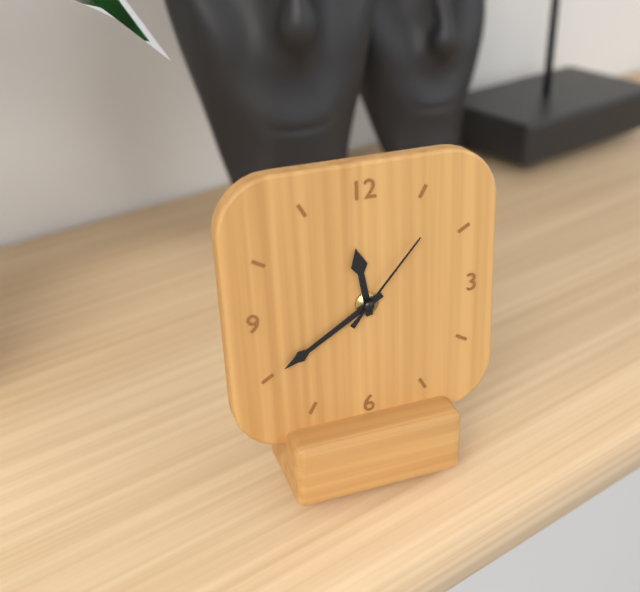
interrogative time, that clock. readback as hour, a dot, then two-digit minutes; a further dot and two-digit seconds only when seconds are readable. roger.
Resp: 11.40.07
